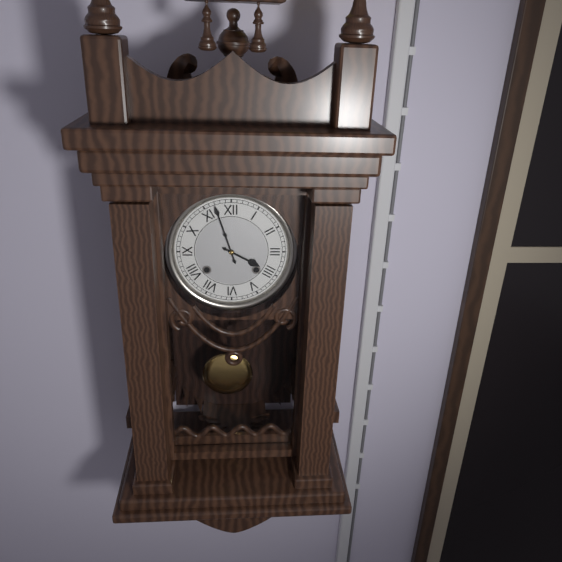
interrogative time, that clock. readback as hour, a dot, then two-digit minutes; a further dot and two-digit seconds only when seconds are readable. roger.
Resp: 3.57
